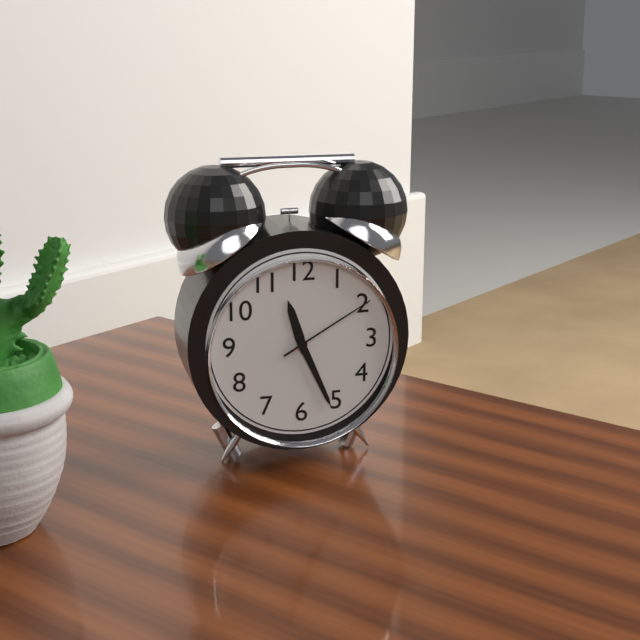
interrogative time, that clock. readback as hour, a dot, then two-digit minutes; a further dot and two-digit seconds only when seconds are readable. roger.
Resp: 11.26.10
